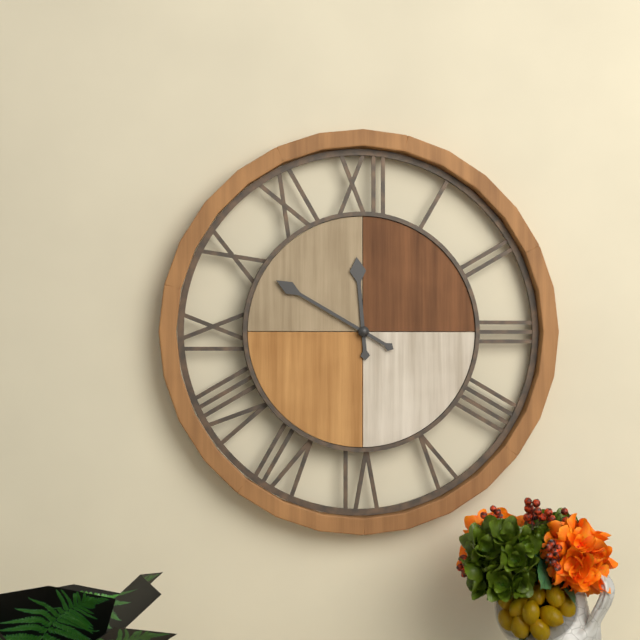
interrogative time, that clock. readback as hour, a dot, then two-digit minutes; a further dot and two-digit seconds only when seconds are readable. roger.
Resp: 11.50
